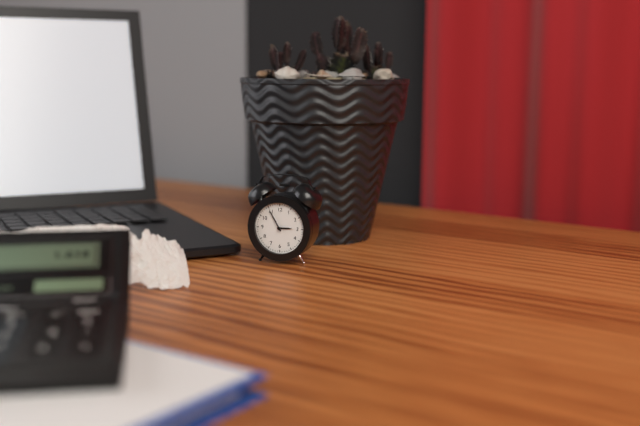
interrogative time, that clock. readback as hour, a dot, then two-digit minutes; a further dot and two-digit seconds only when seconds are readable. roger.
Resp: 2.55
